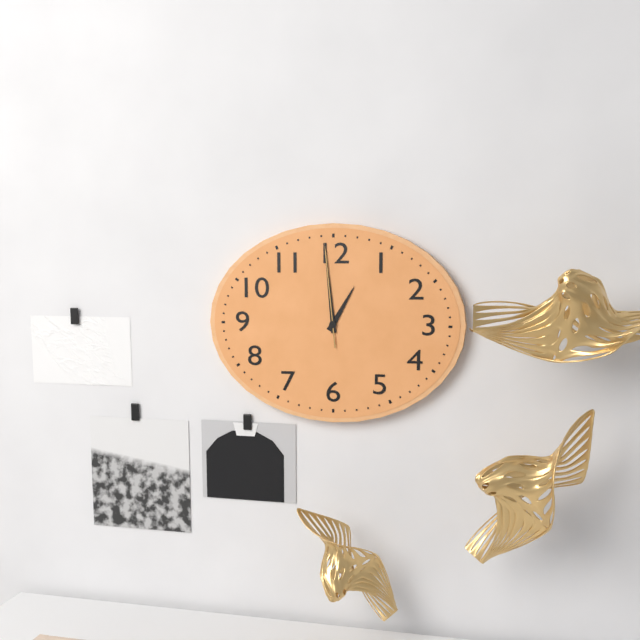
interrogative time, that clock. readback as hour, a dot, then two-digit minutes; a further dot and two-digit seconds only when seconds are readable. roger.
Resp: 12.59.59
